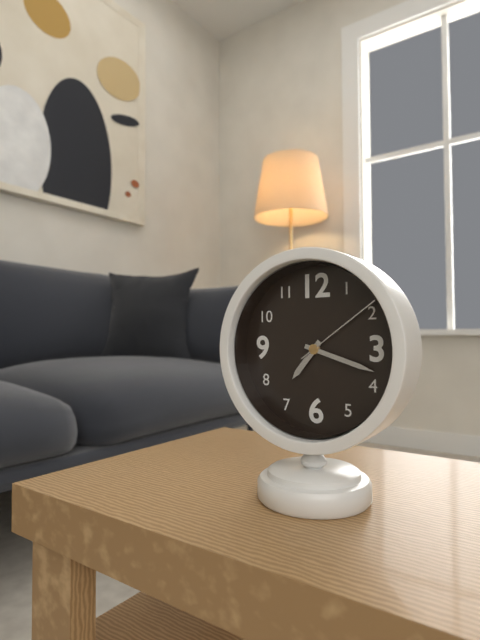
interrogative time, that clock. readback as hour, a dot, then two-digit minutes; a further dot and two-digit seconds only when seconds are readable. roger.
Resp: 7.18.09
